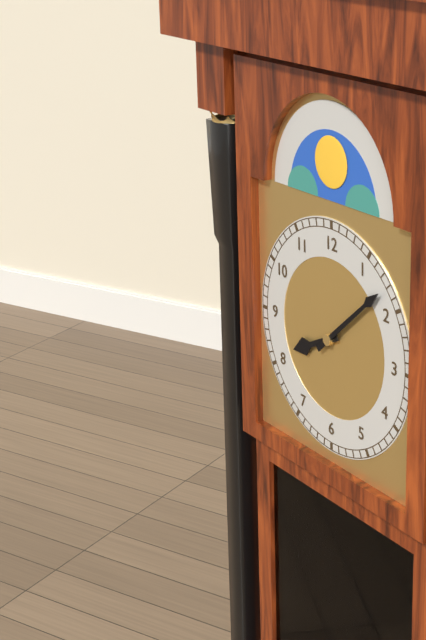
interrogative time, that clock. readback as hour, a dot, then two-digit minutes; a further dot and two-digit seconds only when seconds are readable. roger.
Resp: 8.08
